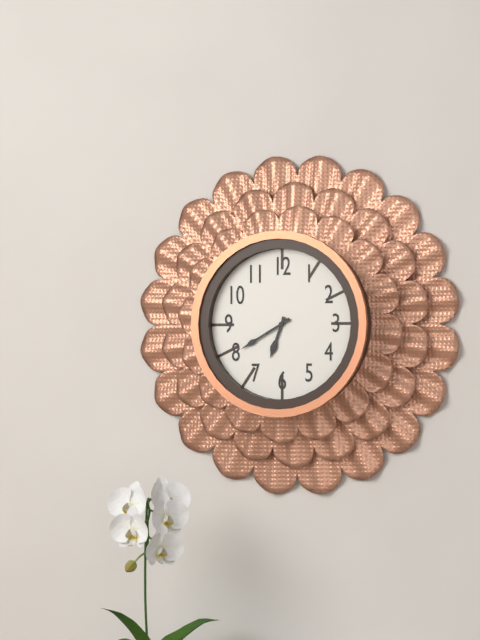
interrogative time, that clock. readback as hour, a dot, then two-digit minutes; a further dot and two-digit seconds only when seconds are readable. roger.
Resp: 6.40
